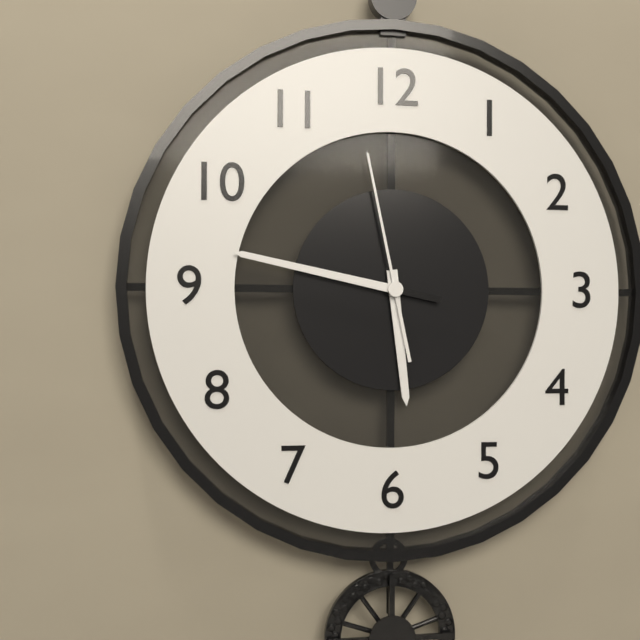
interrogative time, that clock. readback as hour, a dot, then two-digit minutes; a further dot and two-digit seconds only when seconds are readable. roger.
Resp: 5.47.58
